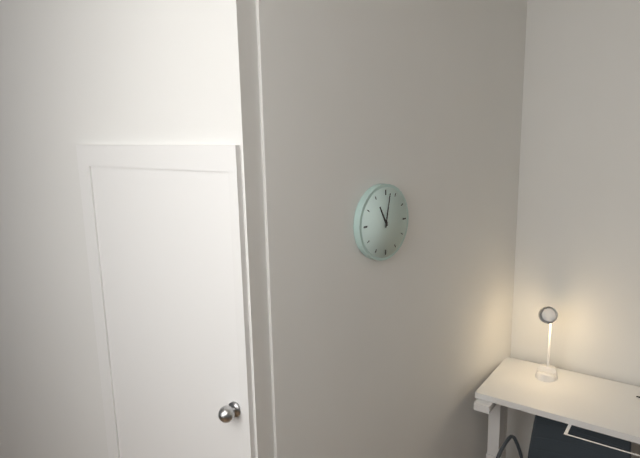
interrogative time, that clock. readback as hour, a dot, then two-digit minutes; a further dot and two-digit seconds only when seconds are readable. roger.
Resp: 11.02
